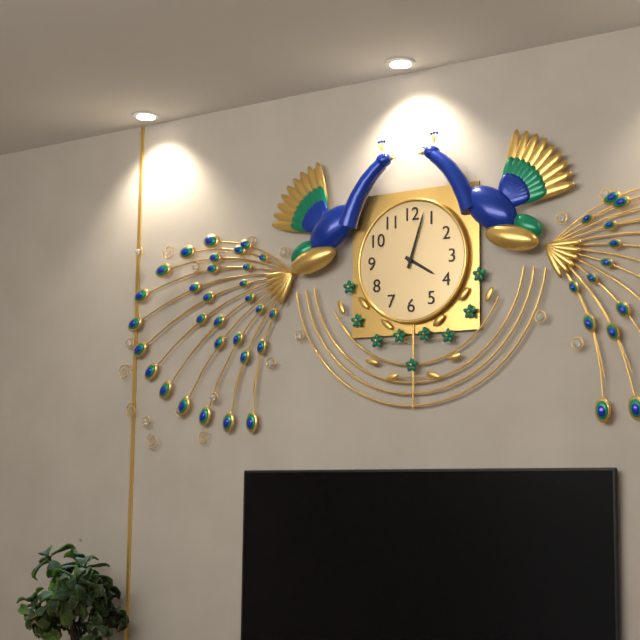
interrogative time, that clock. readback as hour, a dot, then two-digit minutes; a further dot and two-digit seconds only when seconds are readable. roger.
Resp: 4.03
